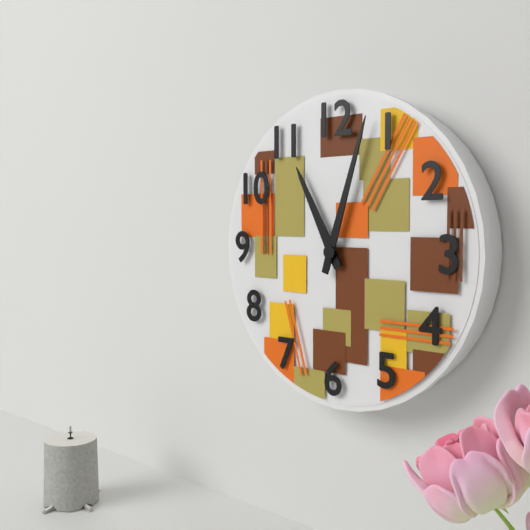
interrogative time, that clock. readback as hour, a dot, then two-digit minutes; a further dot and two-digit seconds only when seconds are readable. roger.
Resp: 11.03
